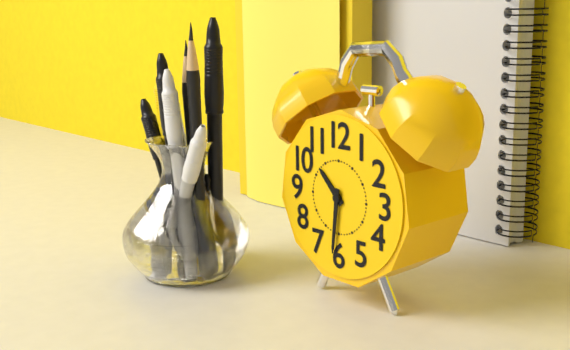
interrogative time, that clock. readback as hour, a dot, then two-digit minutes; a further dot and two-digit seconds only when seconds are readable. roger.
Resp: 10.31
